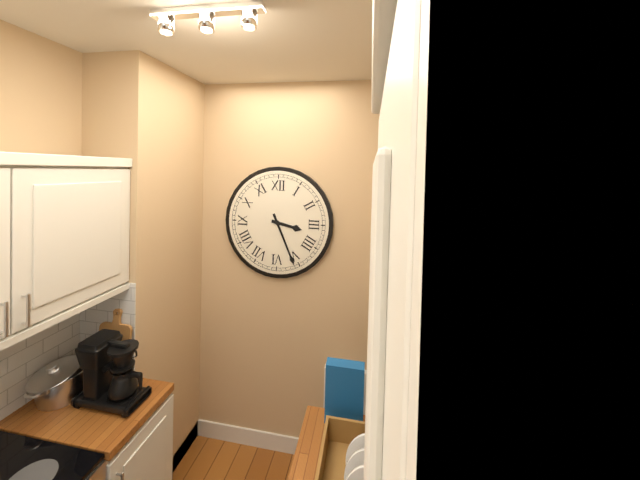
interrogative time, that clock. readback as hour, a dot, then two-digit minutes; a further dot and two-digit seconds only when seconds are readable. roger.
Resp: 3.26
